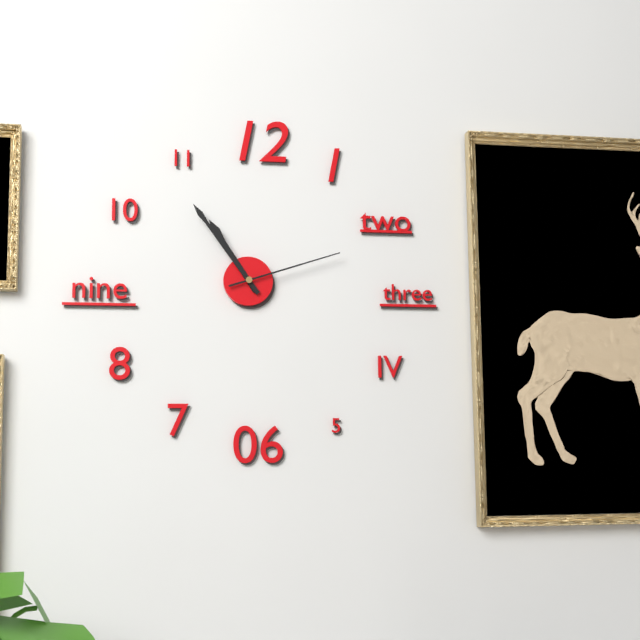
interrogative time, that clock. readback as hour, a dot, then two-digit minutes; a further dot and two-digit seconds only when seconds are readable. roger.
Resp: 10.54.12
